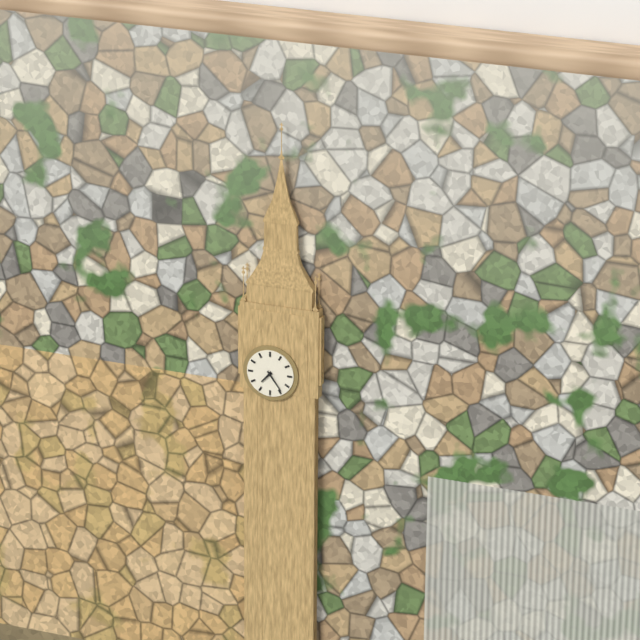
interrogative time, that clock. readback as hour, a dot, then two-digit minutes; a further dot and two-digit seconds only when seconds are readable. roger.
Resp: 7.24
